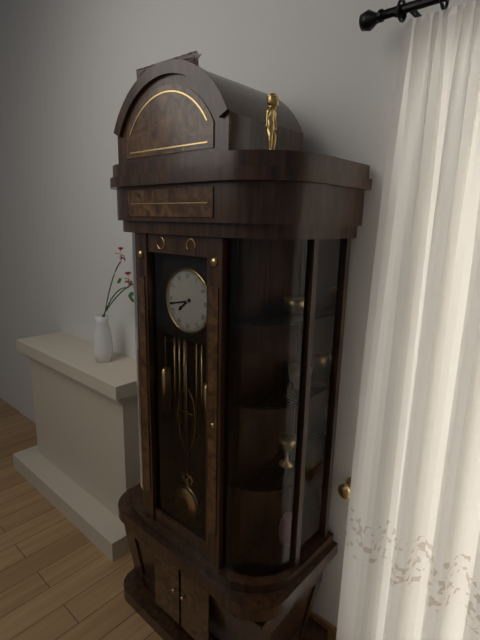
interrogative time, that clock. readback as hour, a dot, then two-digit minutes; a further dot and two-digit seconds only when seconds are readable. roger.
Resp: 7.43
